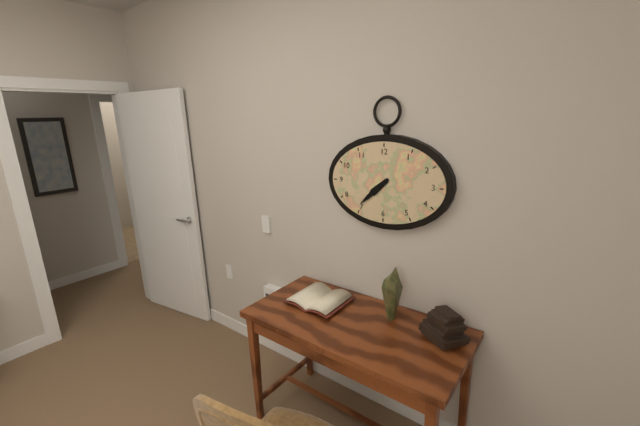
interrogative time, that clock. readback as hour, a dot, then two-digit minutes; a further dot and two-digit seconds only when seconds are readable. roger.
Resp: 7.38
